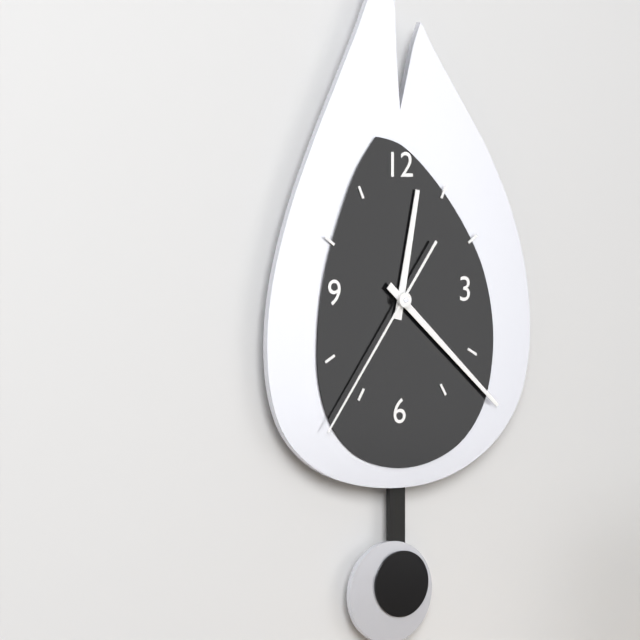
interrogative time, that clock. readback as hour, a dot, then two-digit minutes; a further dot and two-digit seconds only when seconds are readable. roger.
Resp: 12.22.36
